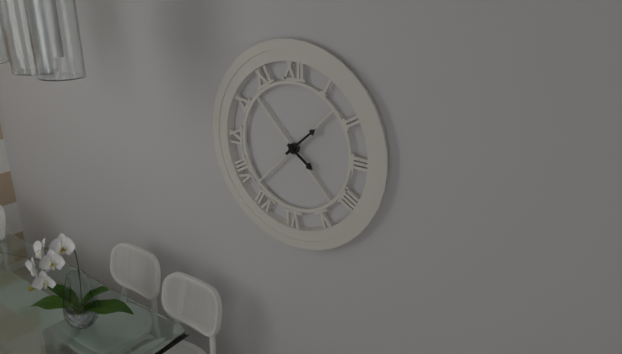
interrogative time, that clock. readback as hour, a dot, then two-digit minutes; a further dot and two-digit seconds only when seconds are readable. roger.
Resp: 4.08
